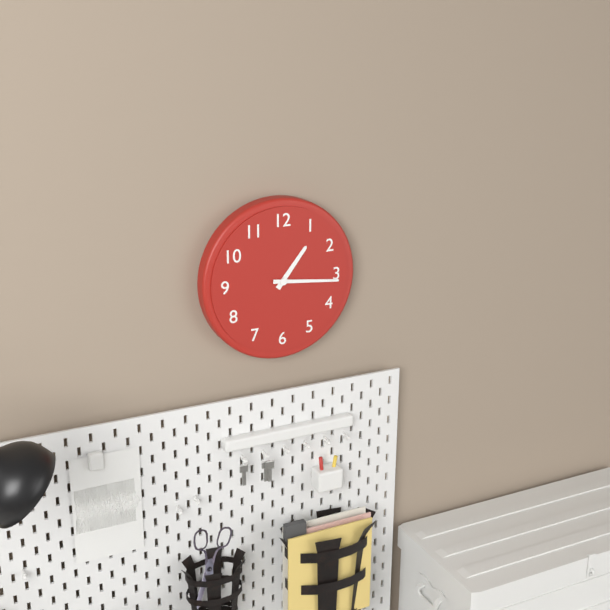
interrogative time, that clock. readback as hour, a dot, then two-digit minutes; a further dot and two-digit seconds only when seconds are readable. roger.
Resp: 1.16
